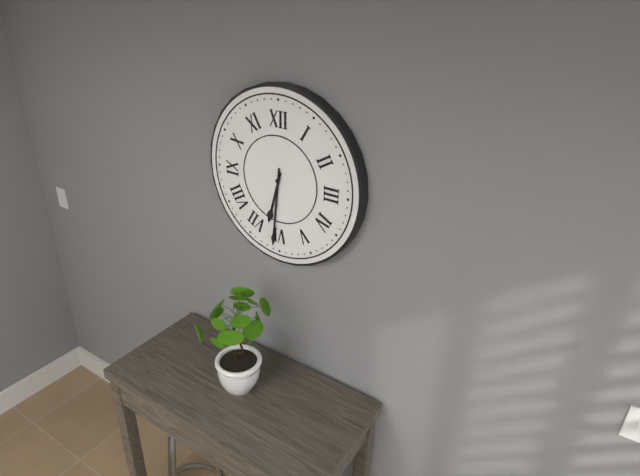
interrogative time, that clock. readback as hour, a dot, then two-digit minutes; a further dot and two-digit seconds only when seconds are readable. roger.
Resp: 6.31
